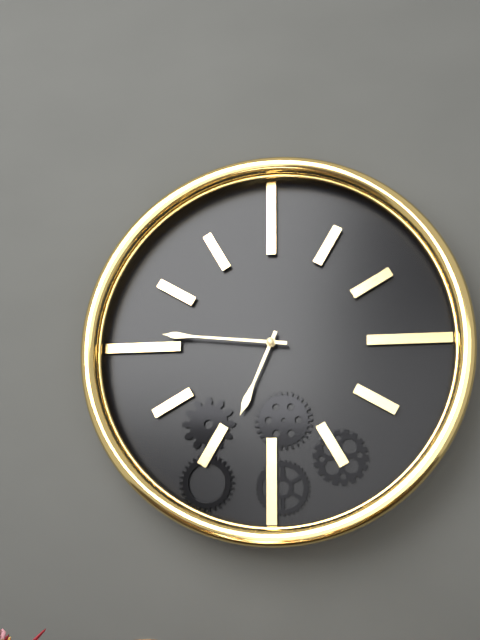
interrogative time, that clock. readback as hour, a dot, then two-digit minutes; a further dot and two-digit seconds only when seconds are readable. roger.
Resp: 6.46
